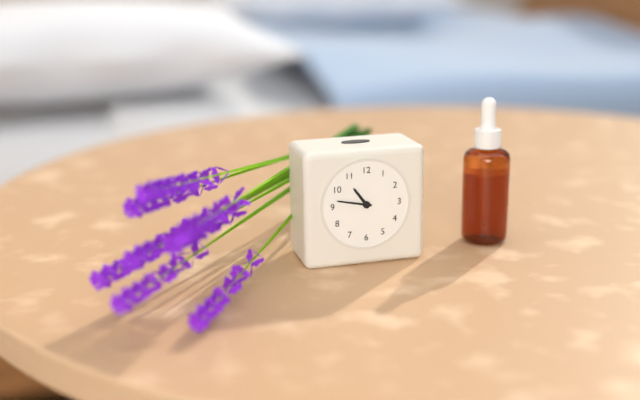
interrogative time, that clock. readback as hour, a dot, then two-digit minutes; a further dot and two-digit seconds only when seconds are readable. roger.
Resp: 10.47
